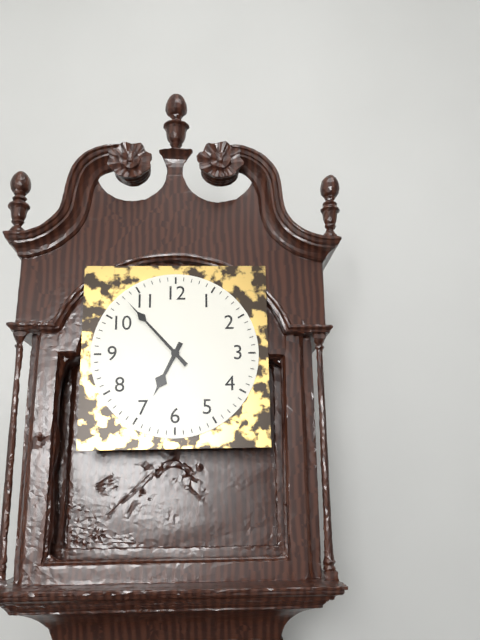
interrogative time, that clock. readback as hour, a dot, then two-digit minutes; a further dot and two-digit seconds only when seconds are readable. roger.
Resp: 6.53
